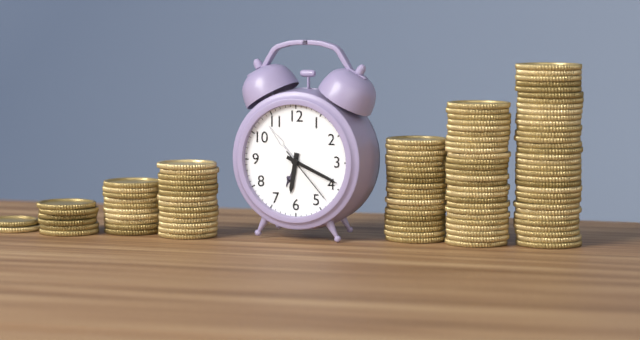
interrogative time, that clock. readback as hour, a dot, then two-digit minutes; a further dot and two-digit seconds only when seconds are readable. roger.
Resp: 6.19.23
